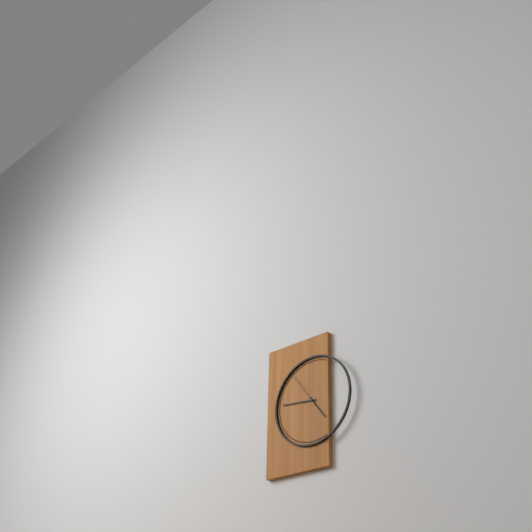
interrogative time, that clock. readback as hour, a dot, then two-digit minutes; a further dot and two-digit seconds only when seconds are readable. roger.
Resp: 4.46
